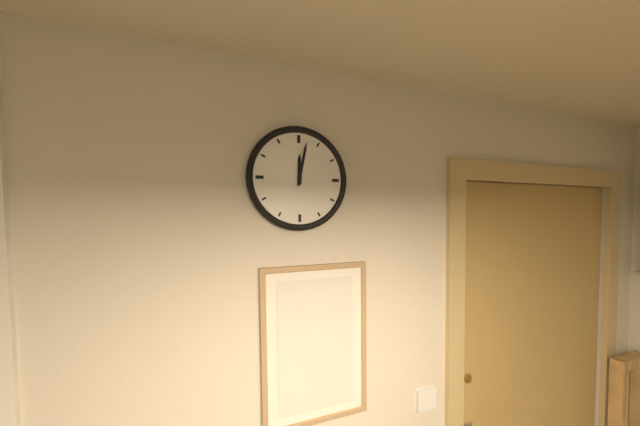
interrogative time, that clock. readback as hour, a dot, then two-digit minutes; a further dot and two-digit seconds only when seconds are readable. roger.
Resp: 12.02
